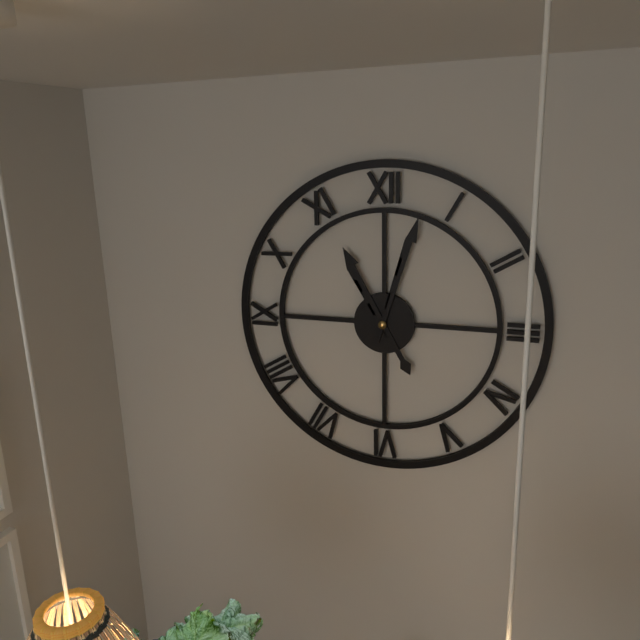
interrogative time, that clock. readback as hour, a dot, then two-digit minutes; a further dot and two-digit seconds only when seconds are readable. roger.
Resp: 11.03
